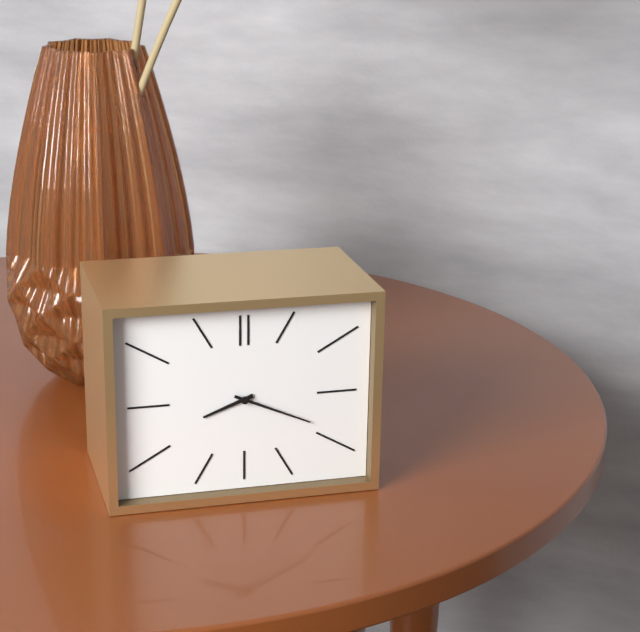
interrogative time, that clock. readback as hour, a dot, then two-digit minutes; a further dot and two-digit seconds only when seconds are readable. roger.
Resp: 8.19
